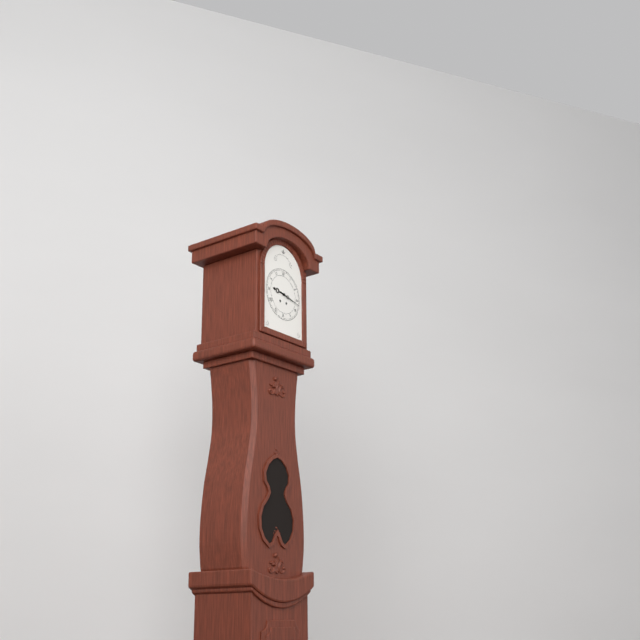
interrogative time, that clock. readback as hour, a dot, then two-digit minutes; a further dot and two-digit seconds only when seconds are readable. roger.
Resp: 9.17
